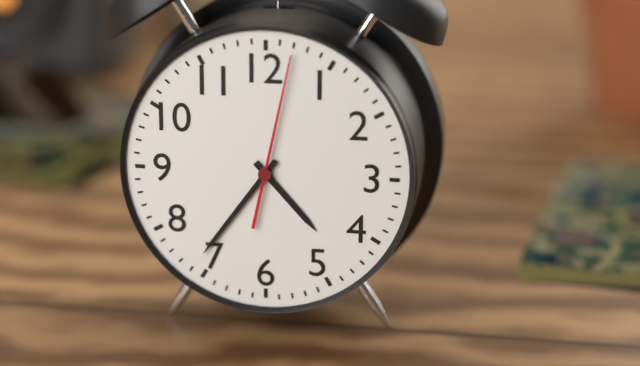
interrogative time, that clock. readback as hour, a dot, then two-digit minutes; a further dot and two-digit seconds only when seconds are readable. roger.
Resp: 4.36.02
